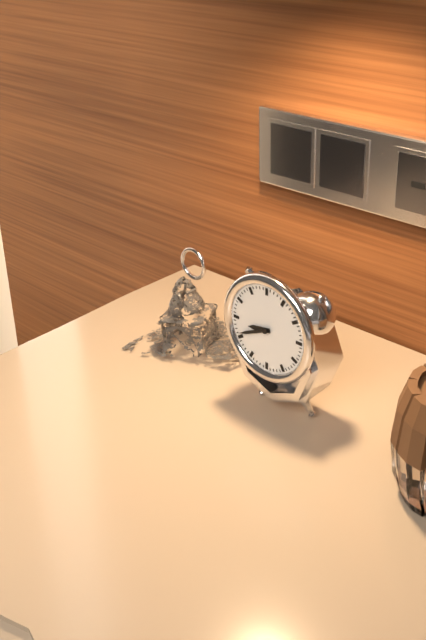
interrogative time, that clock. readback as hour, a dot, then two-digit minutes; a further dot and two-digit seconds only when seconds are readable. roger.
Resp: 8.41
